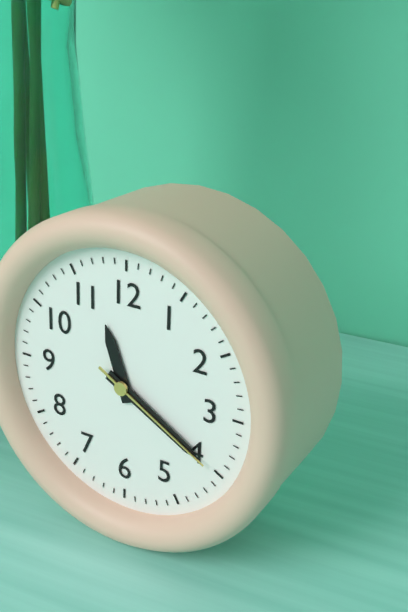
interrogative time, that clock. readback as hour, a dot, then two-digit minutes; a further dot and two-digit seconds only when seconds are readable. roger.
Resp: 11.20.20
